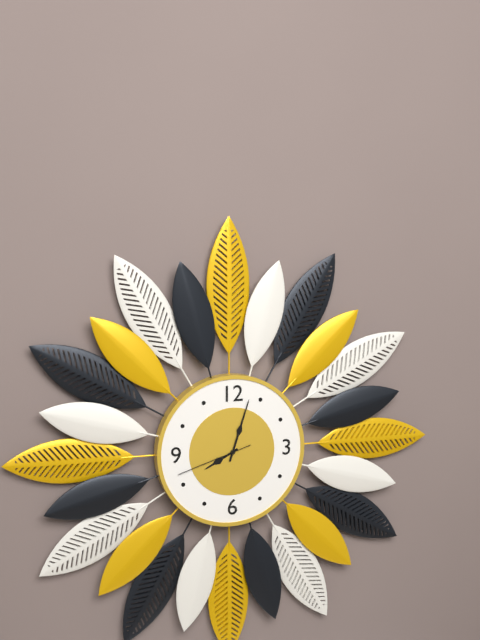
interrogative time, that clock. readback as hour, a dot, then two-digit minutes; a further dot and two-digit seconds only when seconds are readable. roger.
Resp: 8.03.42
